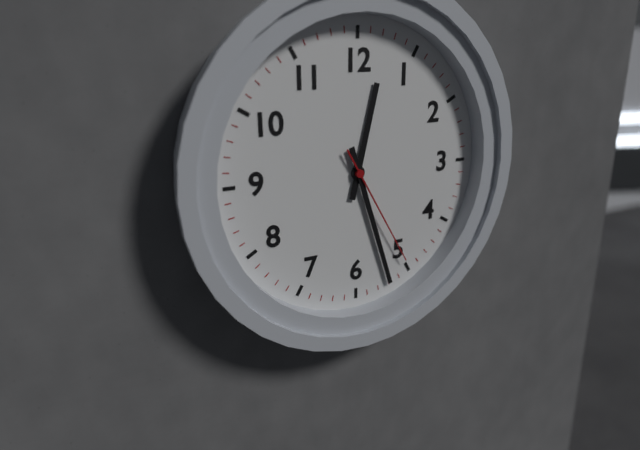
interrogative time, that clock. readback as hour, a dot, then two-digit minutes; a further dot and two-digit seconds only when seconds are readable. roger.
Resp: 12.27.25
